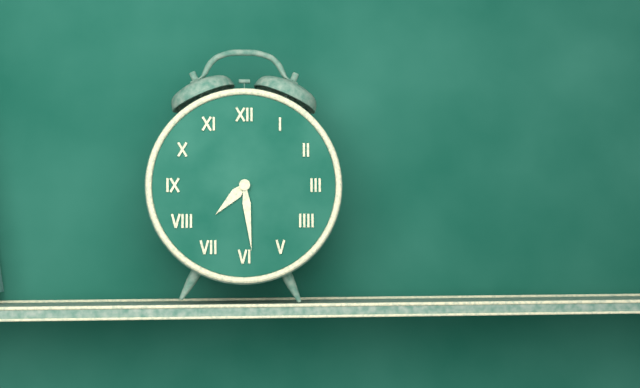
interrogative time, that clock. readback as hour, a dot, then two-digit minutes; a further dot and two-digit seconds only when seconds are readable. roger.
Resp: 7.29
